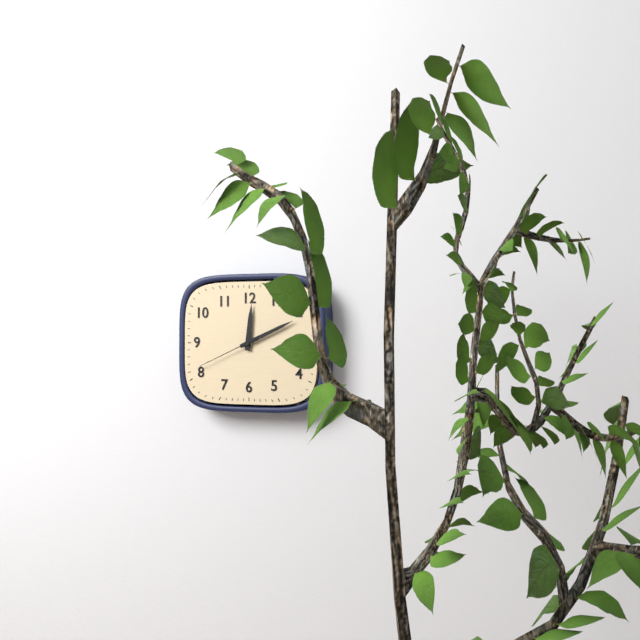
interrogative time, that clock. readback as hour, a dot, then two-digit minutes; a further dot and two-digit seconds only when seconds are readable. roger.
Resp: 12.11.41
